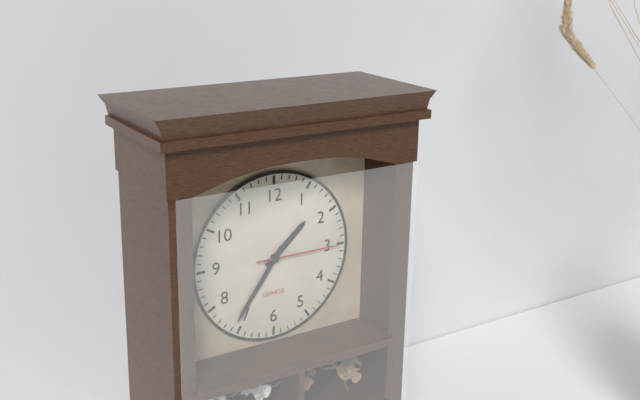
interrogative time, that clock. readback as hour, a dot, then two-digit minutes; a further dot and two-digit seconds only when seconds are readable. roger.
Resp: 1.36.15
